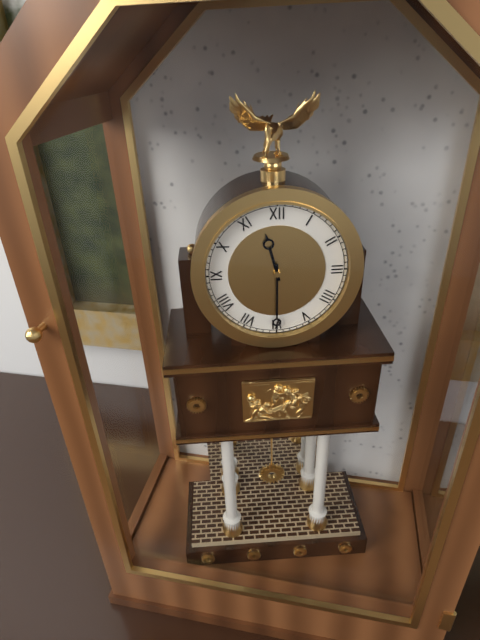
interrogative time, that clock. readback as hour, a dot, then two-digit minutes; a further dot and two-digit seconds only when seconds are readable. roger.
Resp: 11.30
